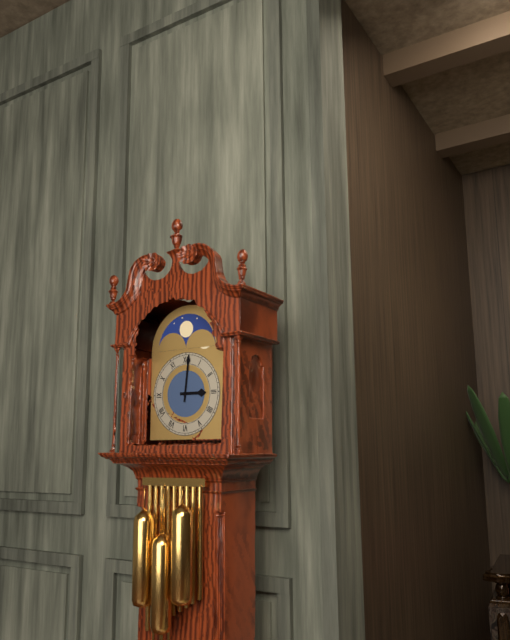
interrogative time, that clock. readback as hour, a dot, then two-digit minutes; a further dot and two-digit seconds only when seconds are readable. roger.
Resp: 3.01
